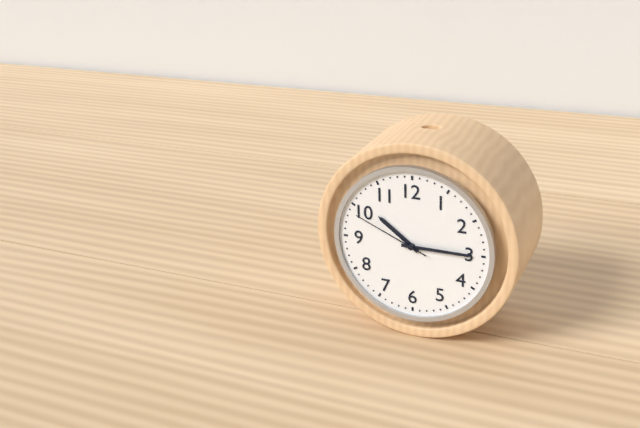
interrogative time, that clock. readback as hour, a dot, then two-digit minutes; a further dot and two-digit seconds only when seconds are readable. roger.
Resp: 10.15.49
